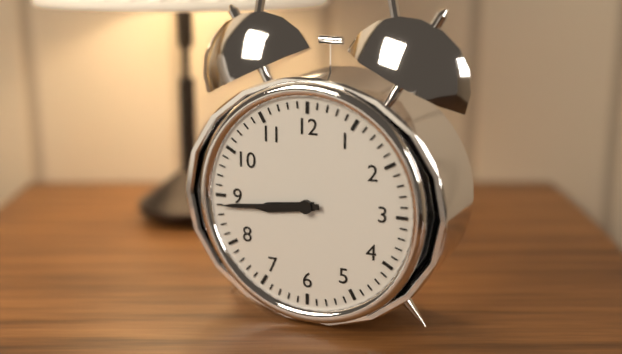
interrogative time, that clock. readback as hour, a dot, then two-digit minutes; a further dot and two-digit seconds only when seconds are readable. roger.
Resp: 8.44
